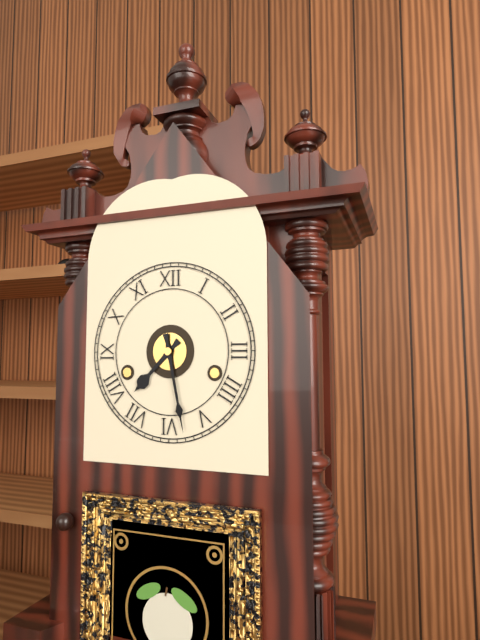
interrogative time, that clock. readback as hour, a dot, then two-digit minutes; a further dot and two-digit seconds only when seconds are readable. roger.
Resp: 7.28
